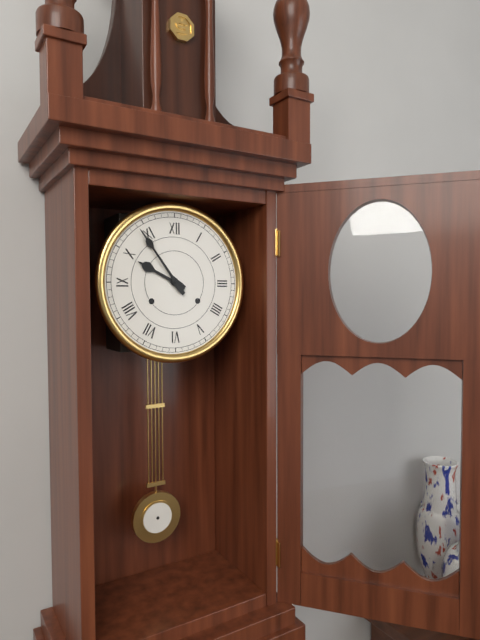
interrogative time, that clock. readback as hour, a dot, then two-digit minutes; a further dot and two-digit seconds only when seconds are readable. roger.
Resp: 9.54
